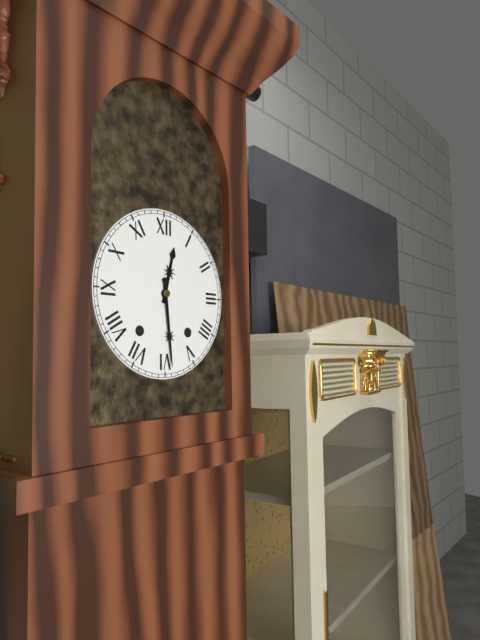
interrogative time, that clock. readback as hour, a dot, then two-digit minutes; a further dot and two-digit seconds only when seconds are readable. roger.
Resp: 12.29
